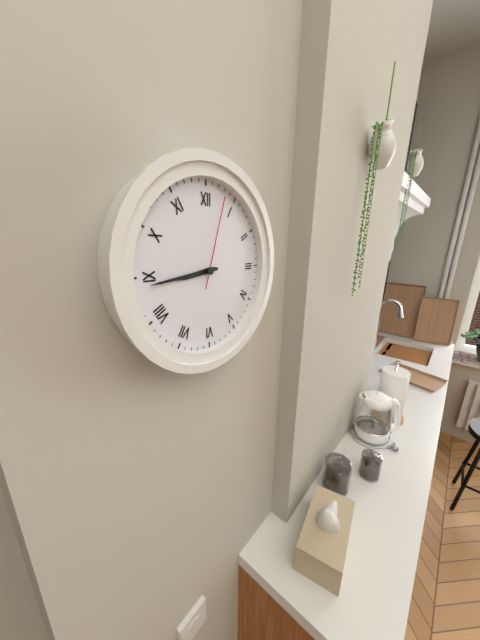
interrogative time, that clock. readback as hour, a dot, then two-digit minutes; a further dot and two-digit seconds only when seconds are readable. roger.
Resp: 8.44.03
